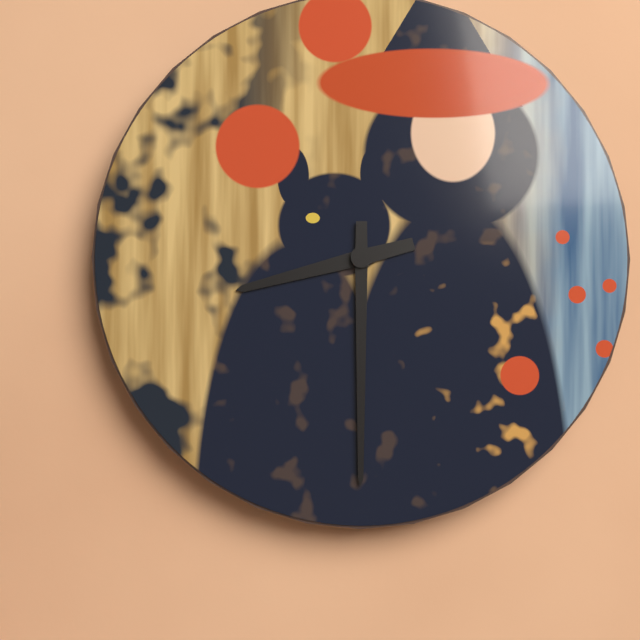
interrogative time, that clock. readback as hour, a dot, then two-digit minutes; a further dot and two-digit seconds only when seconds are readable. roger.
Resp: 8.30
